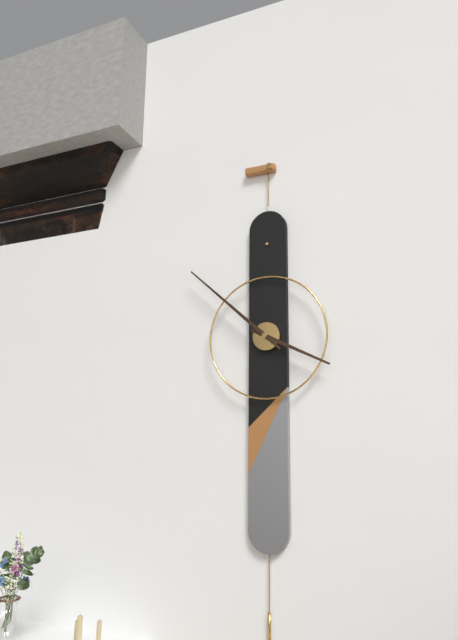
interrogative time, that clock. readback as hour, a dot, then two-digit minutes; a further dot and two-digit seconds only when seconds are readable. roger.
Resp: 3.52
